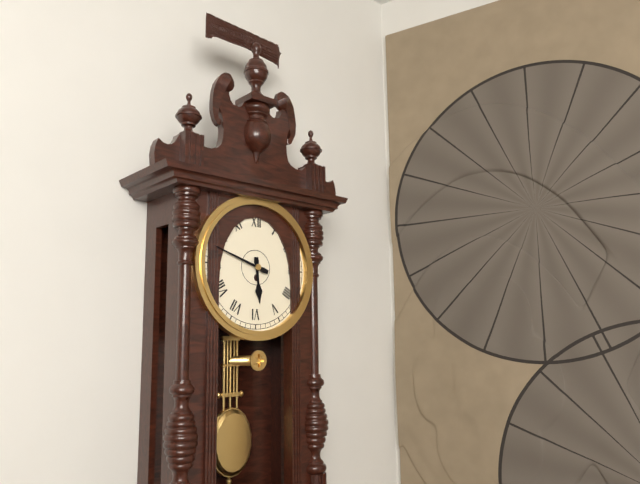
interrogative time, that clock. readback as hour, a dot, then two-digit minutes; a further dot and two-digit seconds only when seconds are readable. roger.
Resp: 5.48
